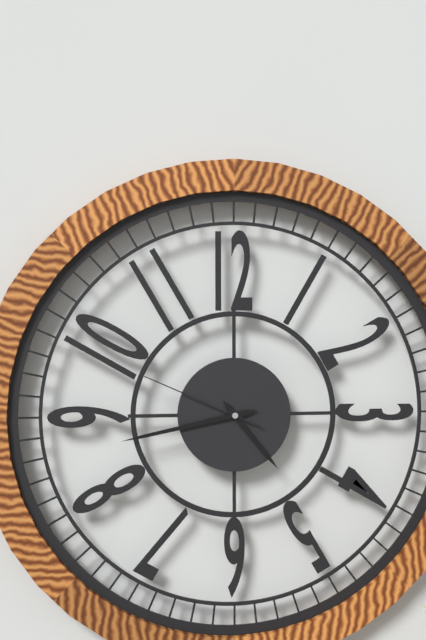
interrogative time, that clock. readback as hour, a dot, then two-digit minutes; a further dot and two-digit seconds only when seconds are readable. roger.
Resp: 4.43.49
